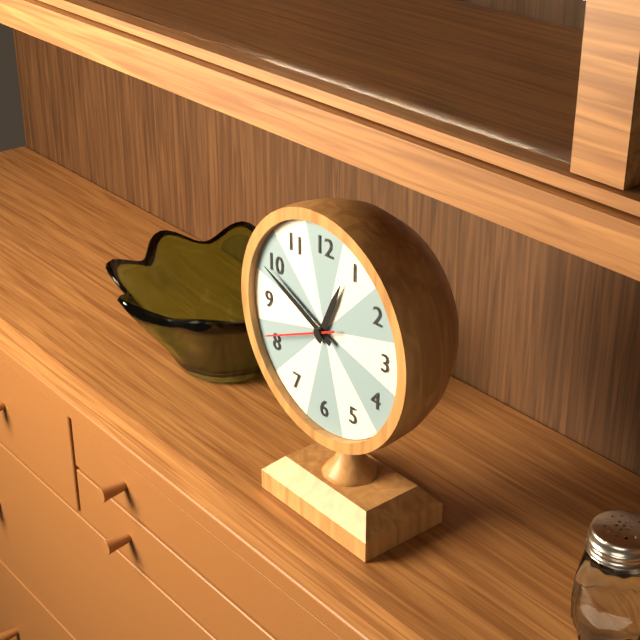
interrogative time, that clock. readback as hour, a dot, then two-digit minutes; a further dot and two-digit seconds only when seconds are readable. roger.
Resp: 12.49.41
